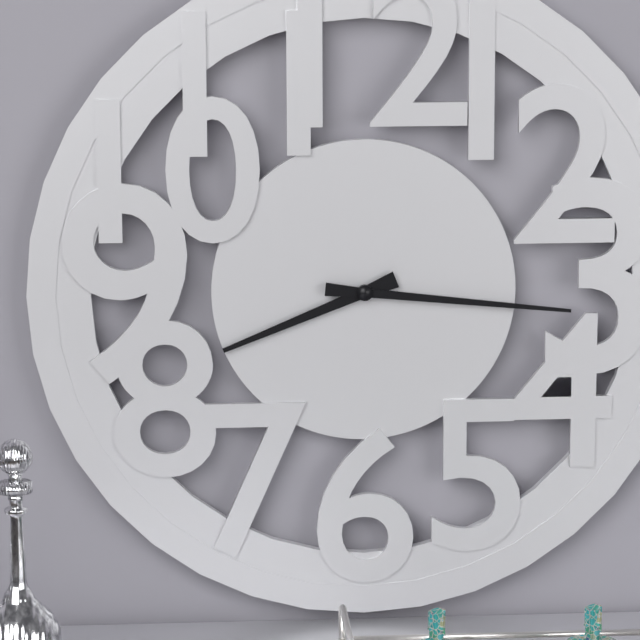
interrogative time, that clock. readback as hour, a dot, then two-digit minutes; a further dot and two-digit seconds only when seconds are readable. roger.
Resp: 8.16
